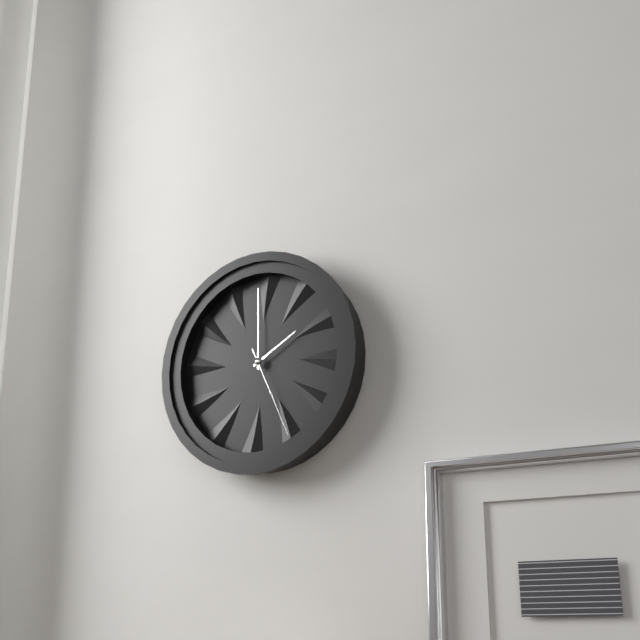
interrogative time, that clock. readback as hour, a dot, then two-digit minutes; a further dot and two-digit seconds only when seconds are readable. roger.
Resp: 2.00.26
